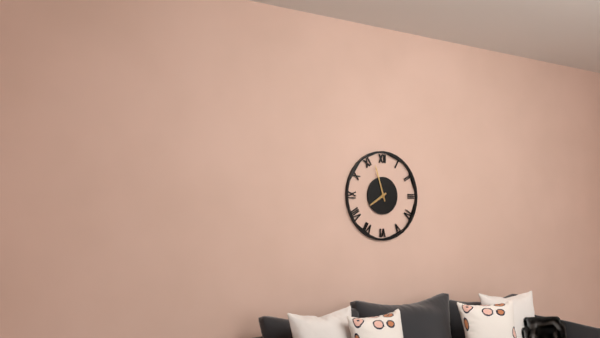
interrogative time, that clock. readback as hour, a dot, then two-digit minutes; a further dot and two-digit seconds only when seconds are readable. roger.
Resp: 7.57
